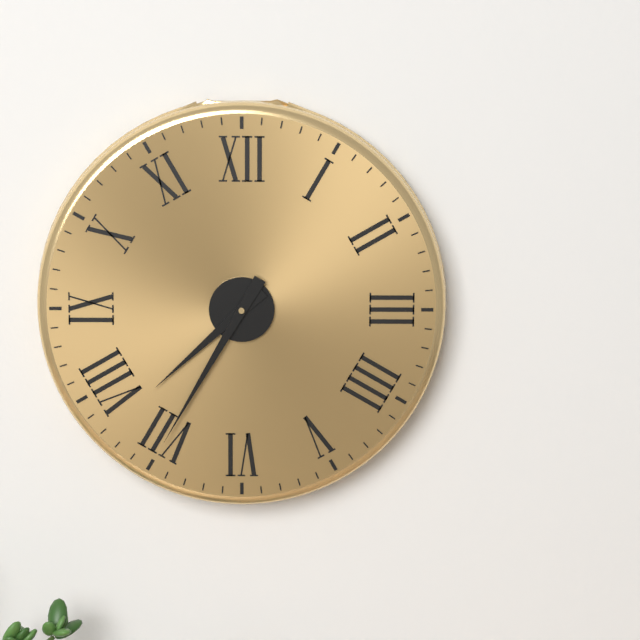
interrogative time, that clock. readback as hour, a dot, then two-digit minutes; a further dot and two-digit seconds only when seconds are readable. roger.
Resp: 7.35
